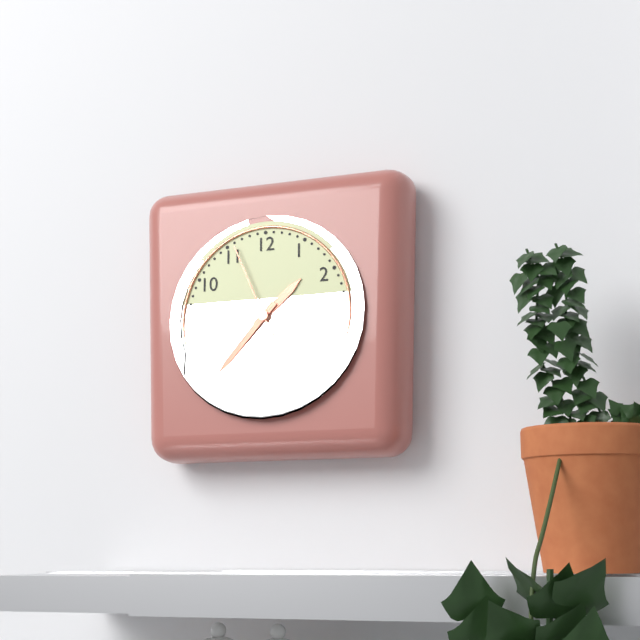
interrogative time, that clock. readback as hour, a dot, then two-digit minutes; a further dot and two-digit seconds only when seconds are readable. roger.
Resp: 1.37.56
